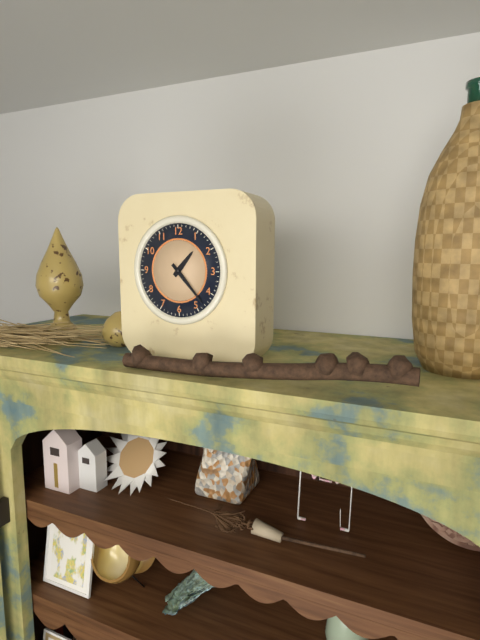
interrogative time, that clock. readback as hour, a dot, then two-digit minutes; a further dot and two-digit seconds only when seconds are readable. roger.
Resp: 1.23
